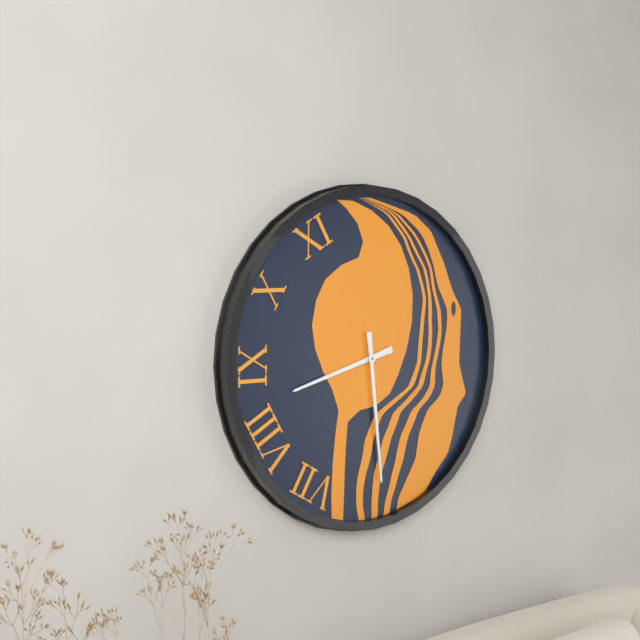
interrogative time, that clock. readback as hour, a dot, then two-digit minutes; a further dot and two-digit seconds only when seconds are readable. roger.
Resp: 8.29
